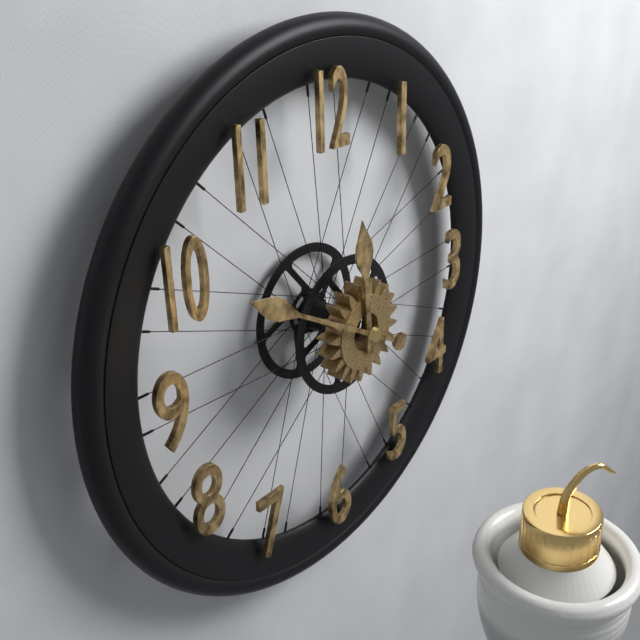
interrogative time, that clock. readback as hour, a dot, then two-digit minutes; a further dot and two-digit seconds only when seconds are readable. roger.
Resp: 11.50
